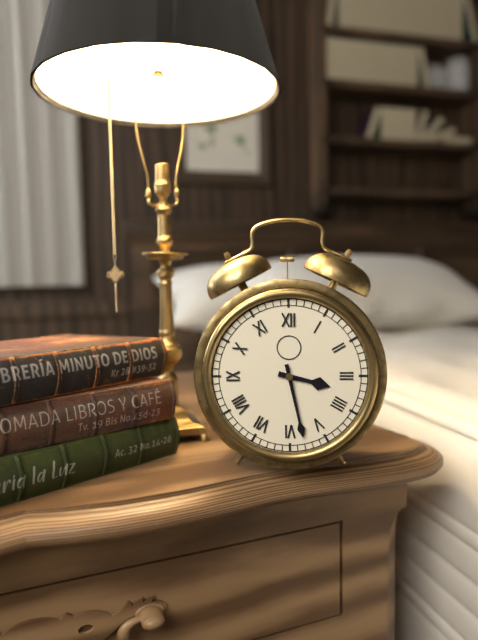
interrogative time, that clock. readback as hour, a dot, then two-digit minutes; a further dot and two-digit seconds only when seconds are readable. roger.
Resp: 3.28
